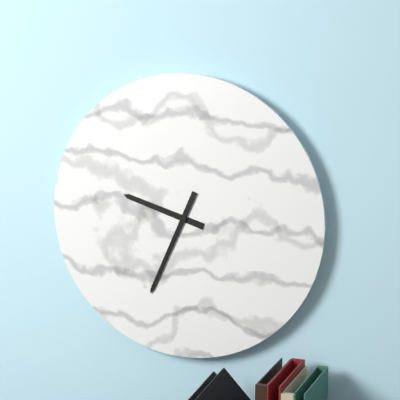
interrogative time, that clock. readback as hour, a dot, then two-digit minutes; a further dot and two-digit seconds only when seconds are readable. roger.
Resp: 9.34
